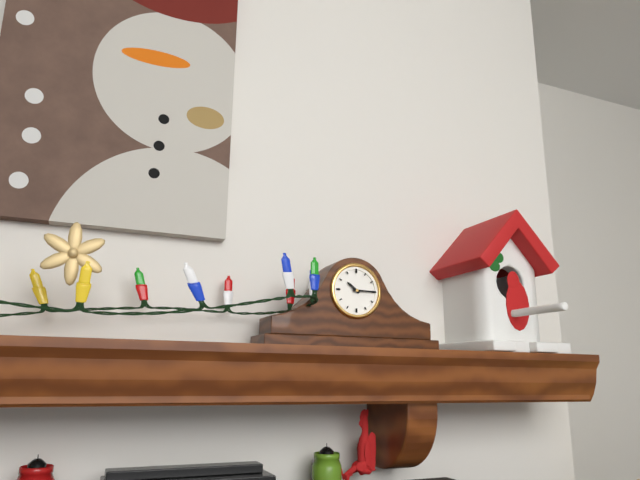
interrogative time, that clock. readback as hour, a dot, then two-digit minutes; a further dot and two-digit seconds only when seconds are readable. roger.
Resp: 10.15
